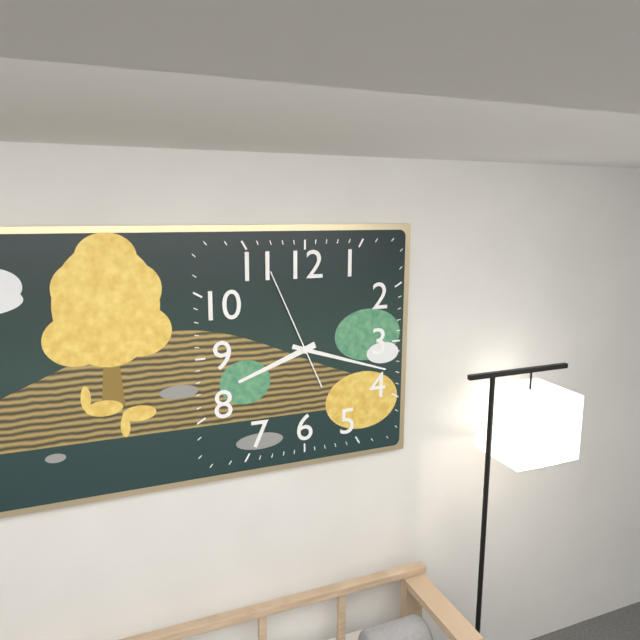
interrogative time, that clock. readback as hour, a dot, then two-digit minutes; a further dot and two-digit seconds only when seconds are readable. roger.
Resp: 8.18.56
